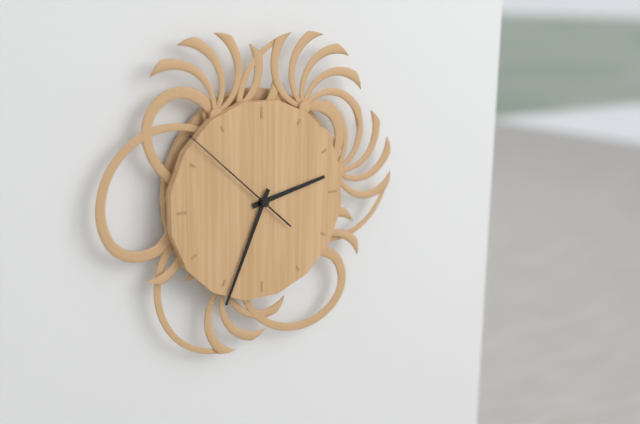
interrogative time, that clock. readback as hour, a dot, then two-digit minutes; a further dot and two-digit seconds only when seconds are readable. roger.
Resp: 2.34.52
